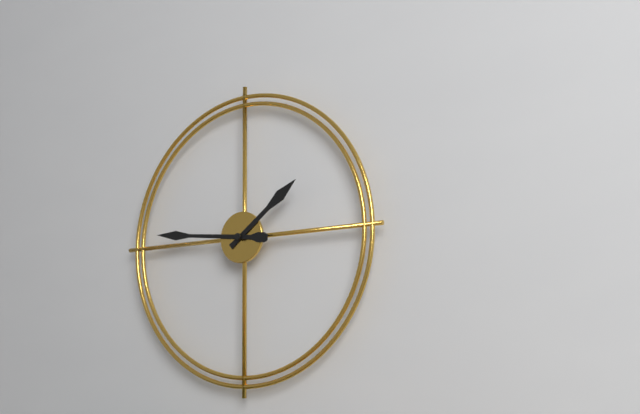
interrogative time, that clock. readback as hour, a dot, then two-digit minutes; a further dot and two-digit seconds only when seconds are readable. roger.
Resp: 1.46
